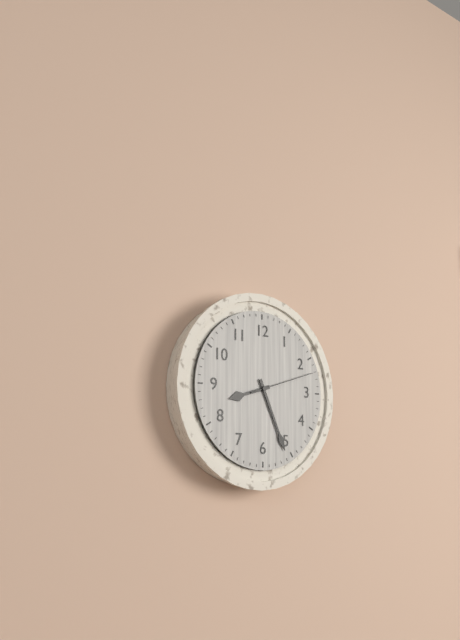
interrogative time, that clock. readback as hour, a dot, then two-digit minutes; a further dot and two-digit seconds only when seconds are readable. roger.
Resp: 8.26.12
